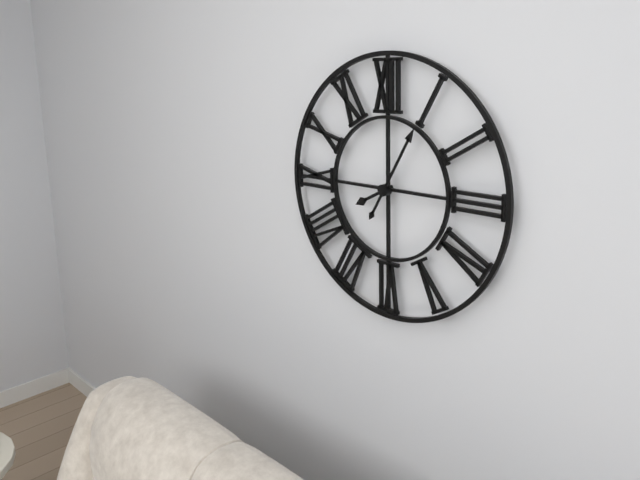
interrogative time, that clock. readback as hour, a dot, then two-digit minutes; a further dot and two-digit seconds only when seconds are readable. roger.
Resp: 8.05
